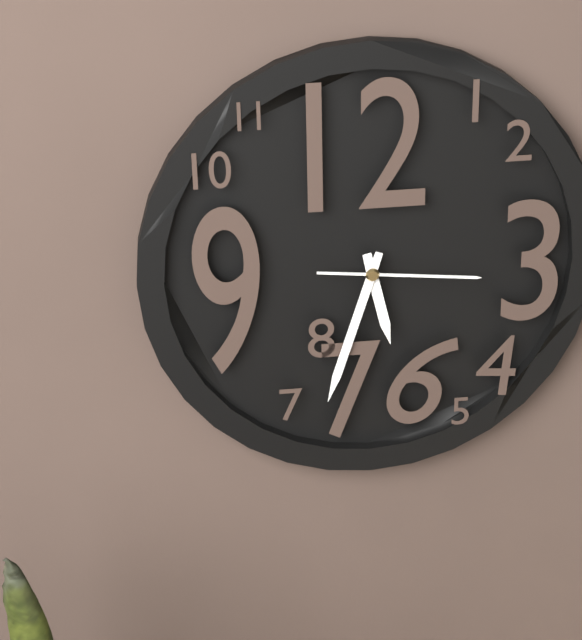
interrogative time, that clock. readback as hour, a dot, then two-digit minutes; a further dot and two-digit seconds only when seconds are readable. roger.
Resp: 5.33.16
